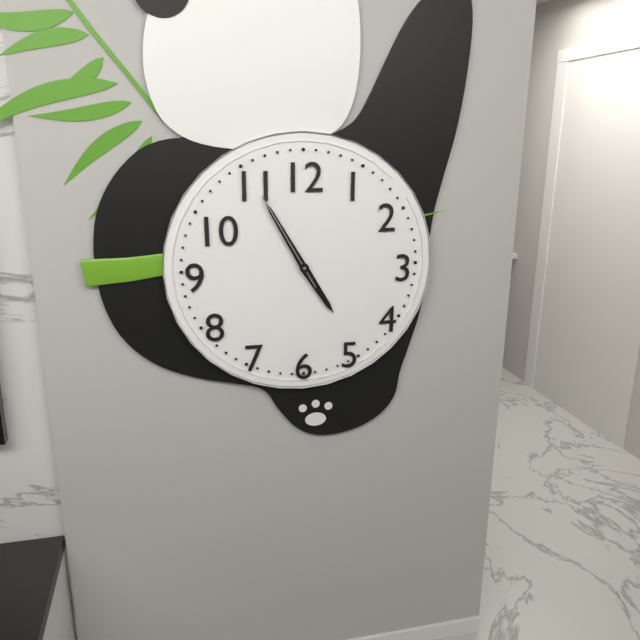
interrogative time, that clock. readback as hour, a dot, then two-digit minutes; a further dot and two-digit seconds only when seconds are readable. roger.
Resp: 4.55.55
